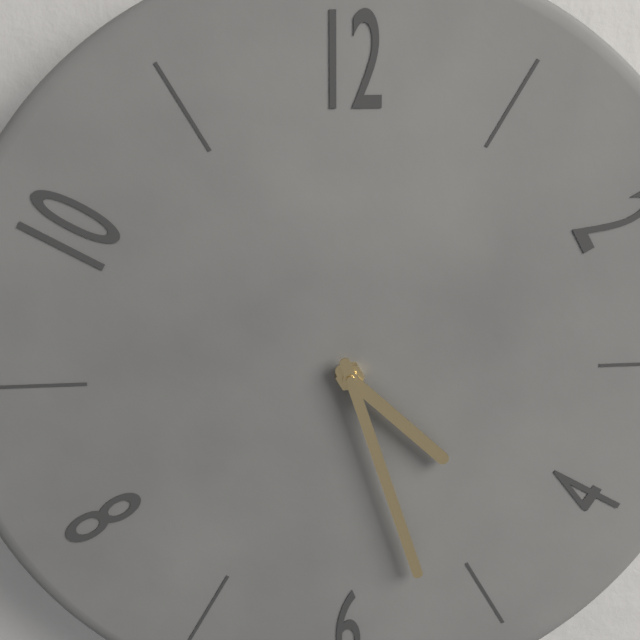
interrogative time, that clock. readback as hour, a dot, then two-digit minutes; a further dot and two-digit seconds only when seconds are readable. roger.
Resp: 4.27
